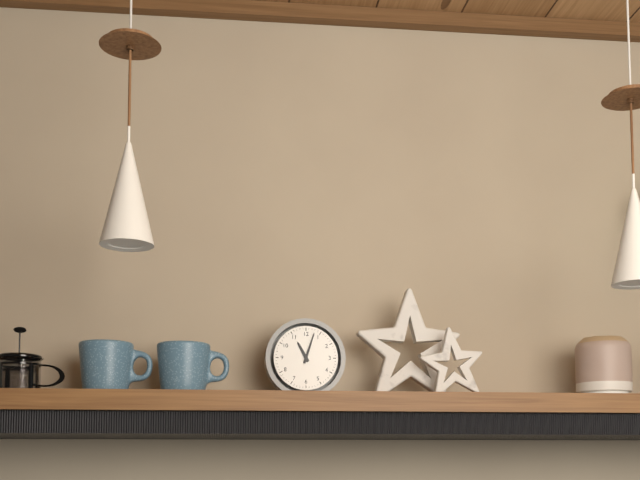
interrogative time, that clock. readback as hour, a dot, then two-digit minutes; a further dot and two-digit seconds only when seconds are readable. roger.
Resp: 11.03
